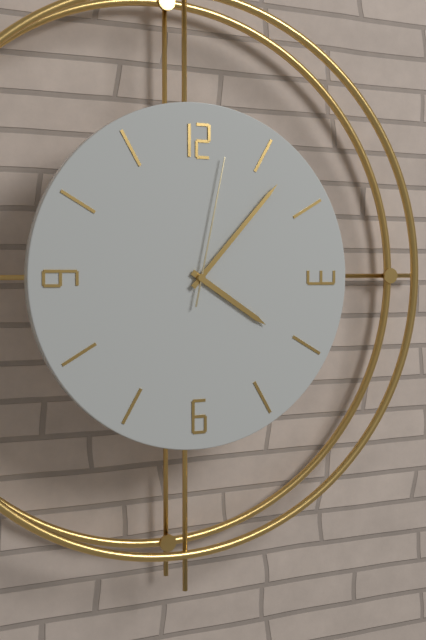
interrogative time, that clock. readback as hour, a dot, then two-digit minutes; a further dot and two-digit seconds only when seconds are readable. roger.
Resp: 4.07.02
